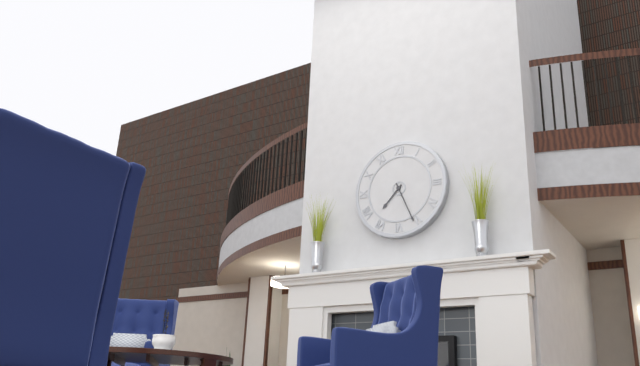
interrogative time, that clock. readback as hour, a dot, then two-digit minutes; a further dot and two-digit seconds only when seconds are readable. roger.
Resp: 7.26
